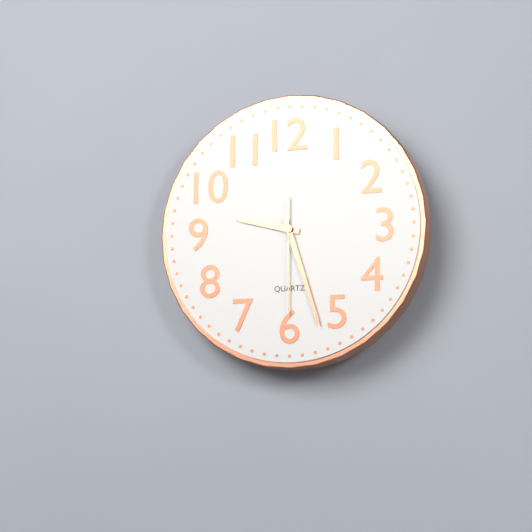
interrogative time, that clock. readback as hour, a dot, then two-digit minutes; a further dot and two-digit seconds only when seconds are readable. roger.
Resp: 9.27.30
